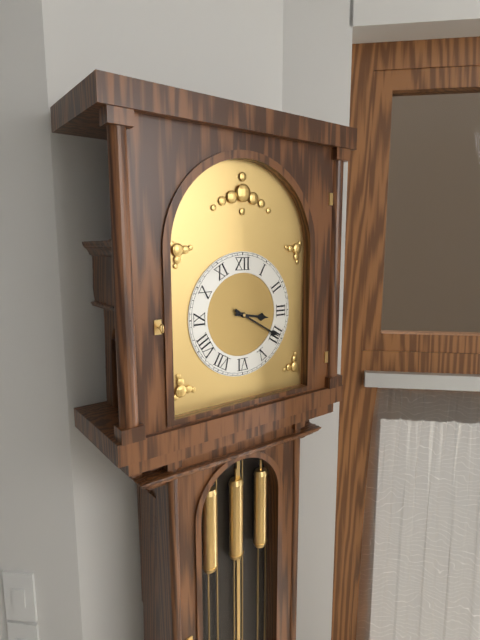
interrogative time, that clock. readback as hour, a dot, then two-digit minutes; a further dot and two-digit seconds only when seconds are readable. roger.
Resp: 3.20
